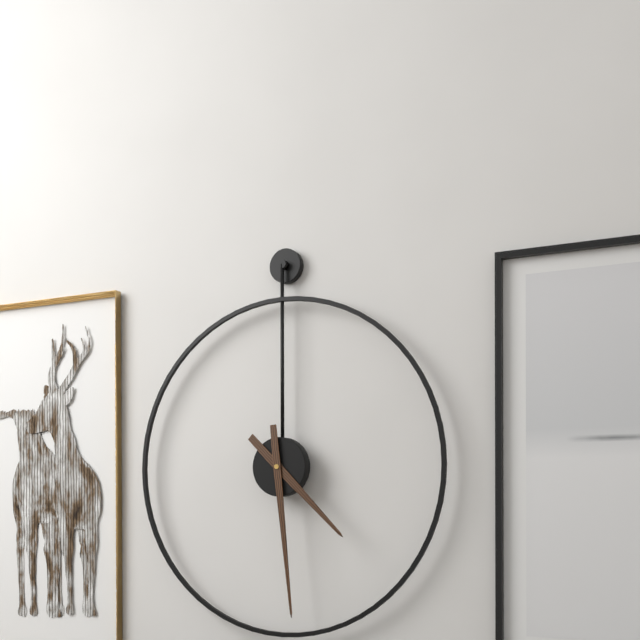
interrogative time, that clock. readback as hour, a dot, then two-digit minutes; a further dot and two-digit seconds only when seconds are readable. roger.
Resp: 4.29
